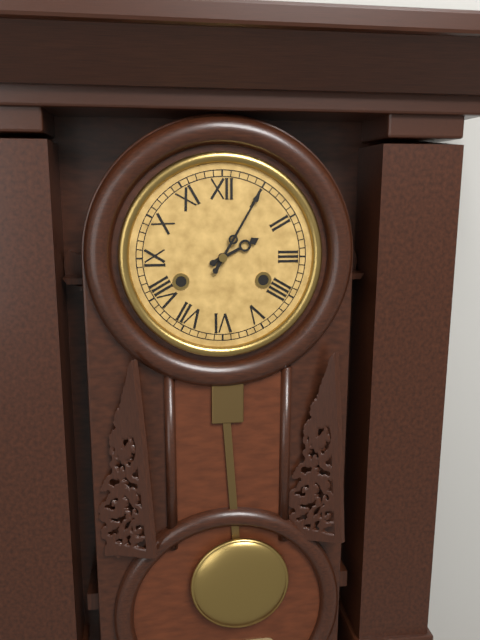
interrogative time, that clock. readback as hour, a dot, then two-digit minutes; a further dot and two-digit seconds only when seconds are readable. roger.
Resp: 2.05
